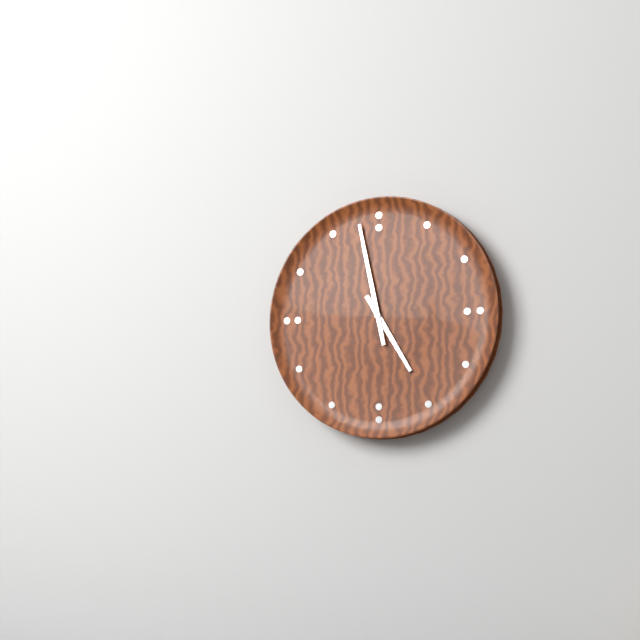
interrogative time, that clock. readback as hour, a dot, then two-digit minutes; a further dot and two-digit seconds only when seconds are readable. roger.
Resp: 4.58
